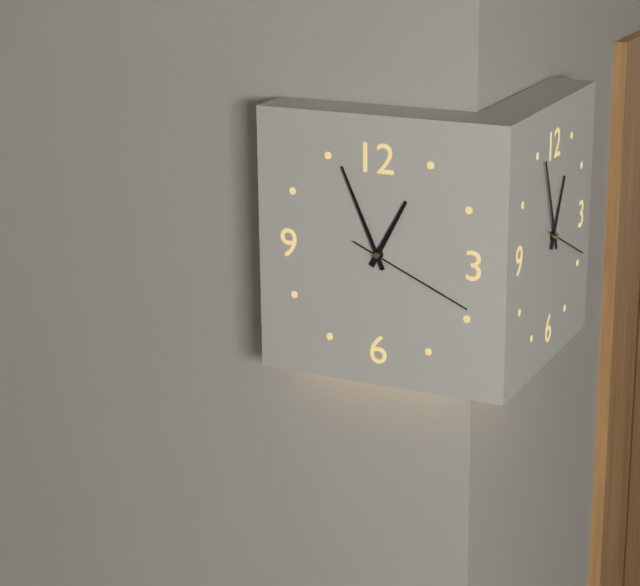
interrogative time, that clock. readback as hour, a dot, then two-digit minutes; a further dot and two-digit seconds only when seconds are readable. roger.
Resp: 12.56.19
